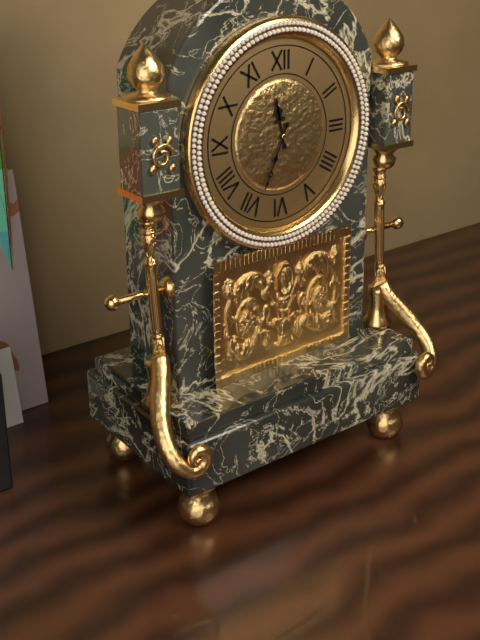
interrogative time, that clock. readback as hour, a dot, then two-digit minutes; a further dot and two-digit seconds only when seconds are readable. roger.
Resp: 11.34
